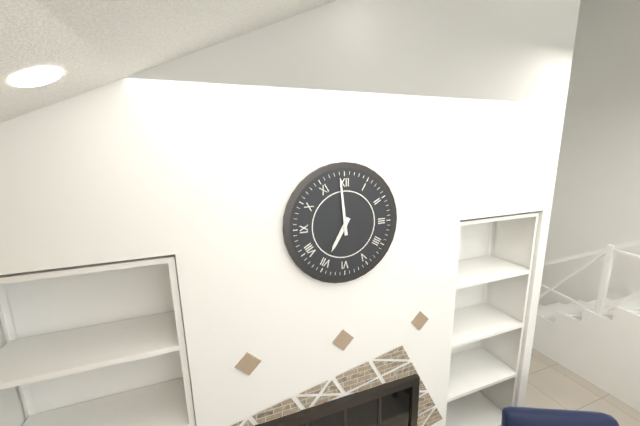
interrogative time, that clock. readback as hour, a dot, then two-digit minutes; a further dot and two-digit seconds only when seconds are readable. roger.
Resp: 6.59
